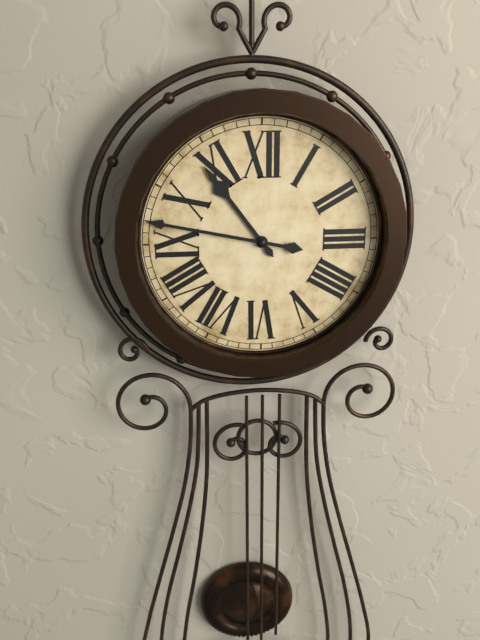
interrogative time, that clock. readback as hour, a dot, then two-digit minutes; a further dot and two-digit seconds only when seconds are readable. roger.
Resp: 10.47
